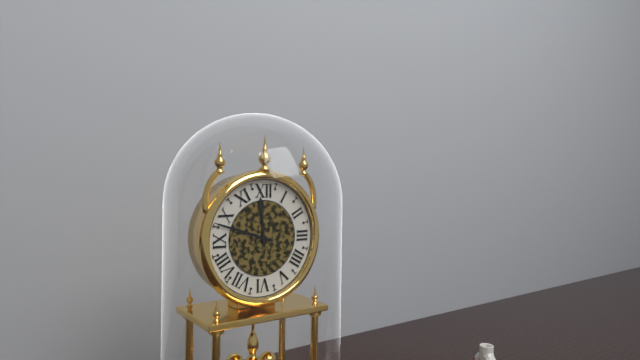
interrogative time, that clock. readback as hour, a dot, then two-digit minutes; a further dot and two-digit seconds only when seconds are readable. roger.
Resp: 11.48
